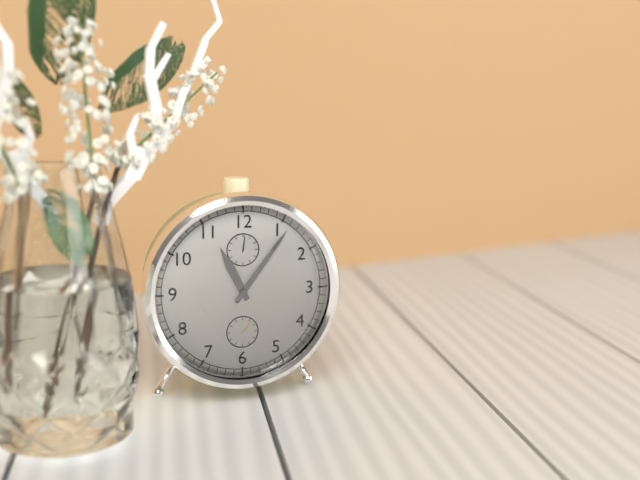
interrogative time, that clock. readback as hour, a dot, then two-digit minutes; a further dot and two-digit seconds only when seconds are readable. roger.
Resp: 11.06
